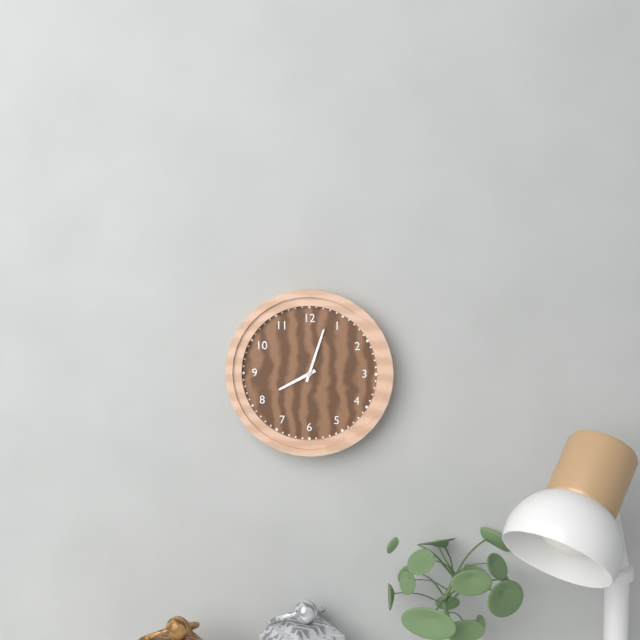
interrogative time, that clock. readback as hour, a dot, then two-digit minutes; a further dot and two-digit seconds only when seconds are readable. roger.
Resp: 8.03
